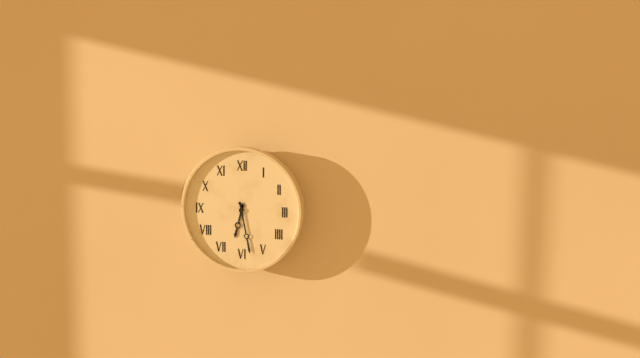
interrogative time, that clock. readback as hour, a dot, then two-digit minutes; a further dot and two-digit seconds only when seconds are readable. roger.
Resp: 6.28
